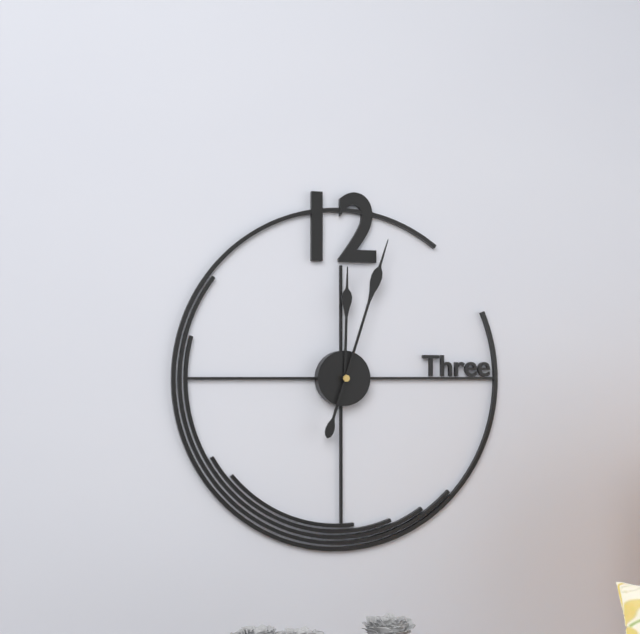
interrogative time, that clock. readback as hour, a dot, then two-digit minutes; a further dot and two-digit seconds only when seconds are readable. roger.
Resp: 12.03
